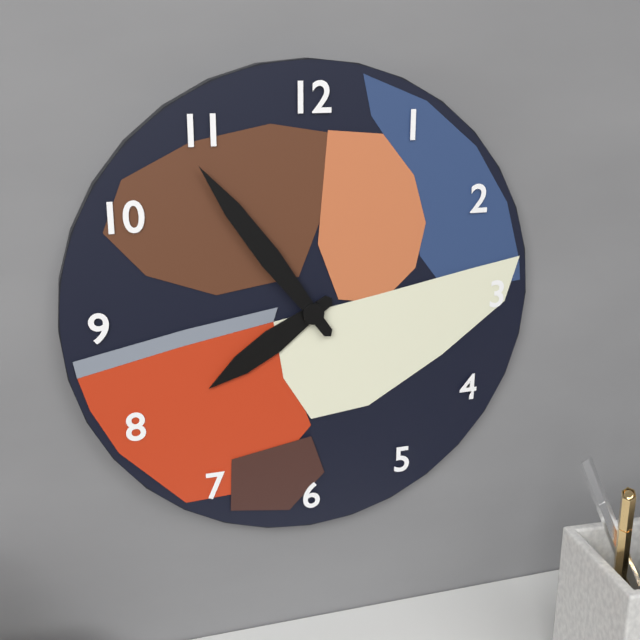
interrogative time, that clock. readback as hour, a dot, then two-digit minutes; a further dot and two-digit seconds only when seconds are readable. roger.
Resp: 7.54
